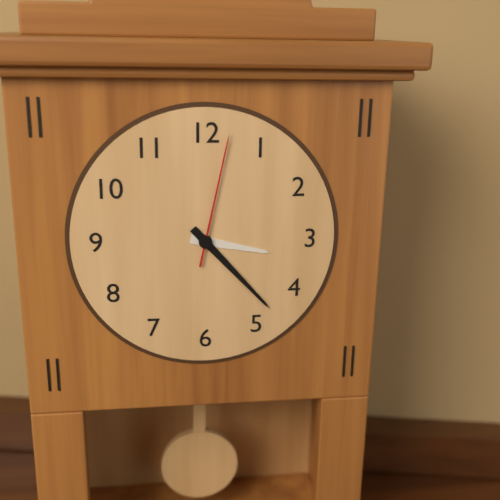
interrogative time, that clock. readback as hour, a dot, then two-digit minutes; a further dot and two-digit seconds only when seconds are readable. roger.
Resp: 3.23.02
